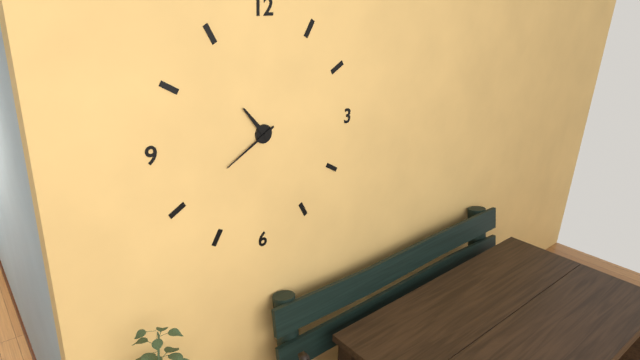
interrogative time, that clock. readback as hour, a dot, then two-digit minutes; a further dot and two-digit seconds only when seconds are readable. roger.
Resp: 10.40
